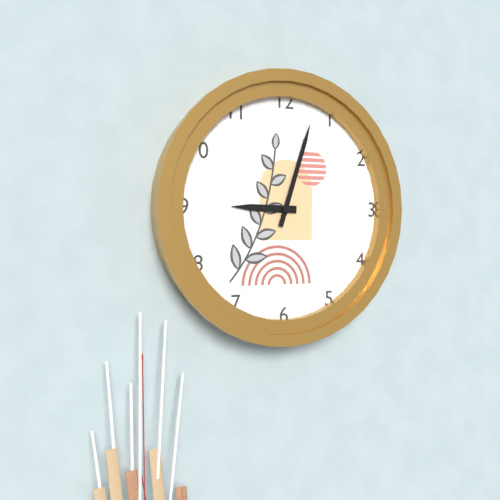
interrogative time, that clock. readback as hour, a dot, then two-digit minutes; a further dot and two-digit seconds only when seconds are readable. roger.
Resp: 9.03
